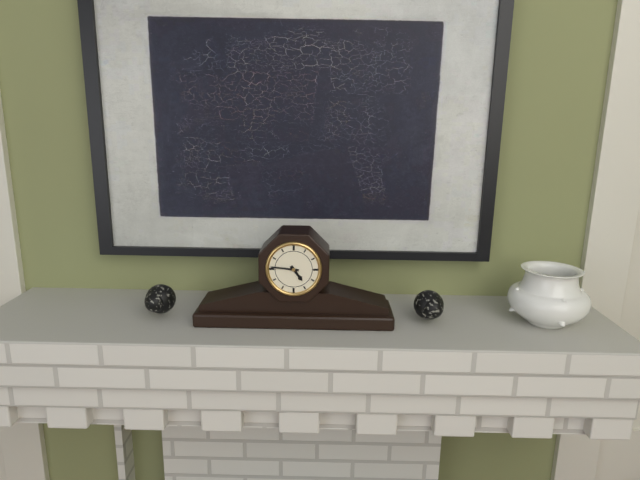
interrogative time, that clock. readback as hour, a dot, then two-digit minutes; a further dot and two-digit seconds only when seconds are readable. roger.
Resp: 4.46
